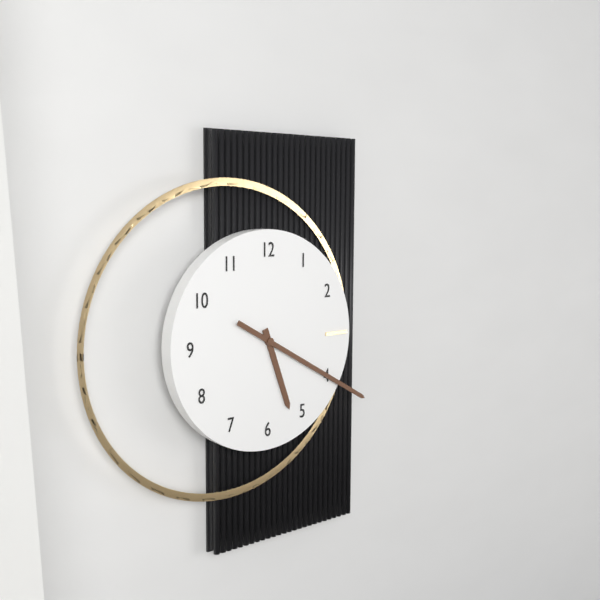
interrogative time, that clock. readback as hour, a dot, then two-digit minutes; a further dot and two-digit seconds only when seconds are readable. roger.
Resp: 5.20
